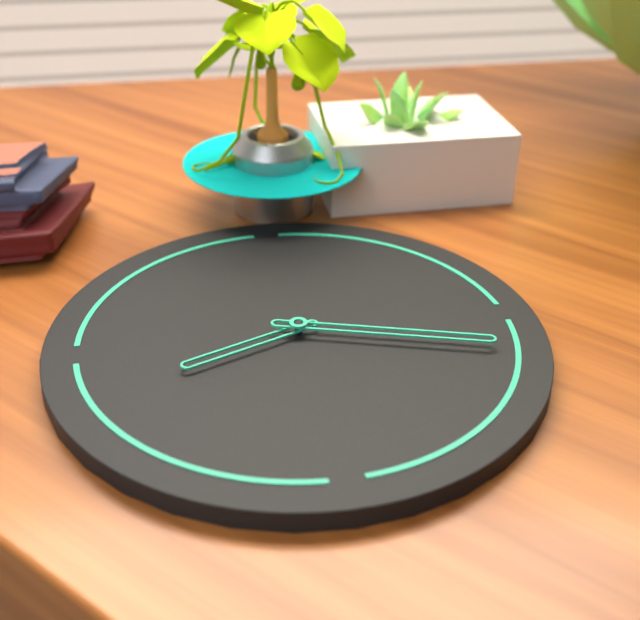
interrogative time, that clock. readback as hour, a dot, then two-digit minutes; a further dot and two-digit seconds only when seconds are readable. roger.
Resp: 8.18
